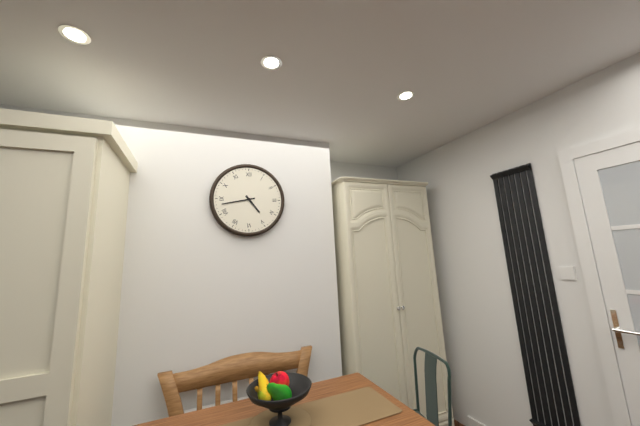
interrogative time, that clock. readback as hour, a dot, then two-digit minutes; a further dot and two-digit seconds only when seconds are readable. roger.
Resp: 4.43
